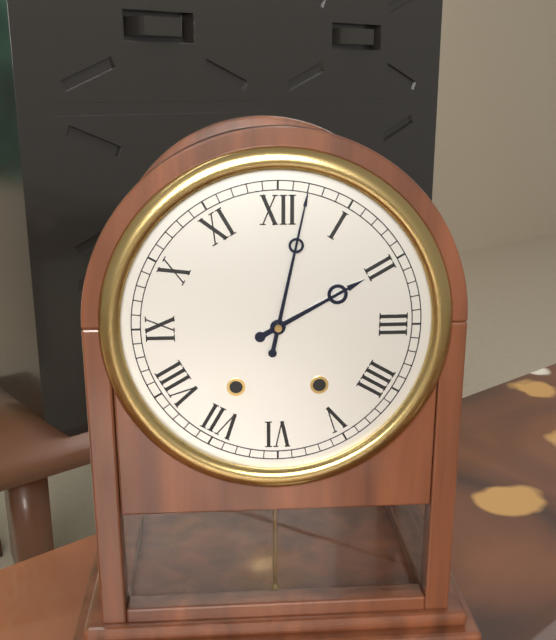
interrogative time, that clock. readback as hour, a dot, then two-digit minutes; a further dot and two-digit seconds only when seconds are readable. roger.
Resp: 2.02
